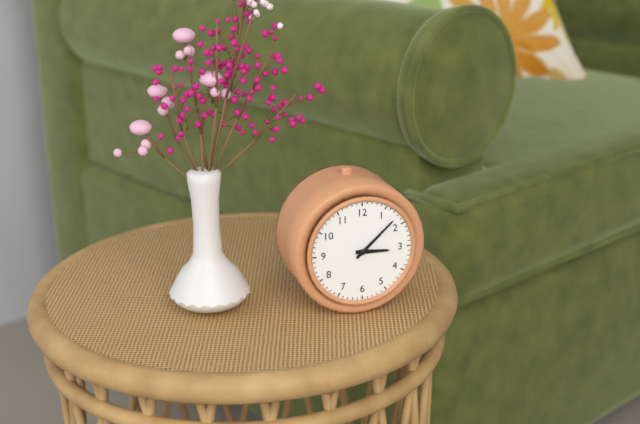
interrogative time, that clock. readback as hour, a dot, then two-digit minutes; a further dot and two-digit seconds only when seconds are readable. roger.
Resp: 3.08
